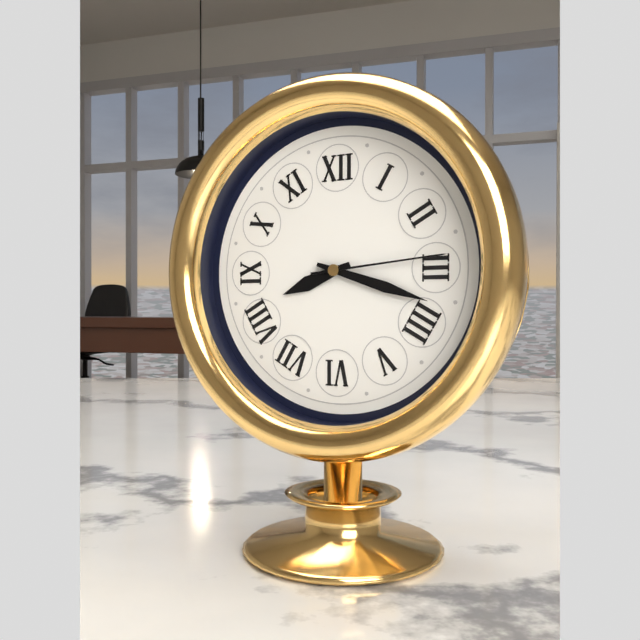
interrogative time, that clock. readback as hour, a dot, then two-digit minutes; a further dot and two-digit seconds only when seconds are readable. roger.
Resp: 8.18.14
